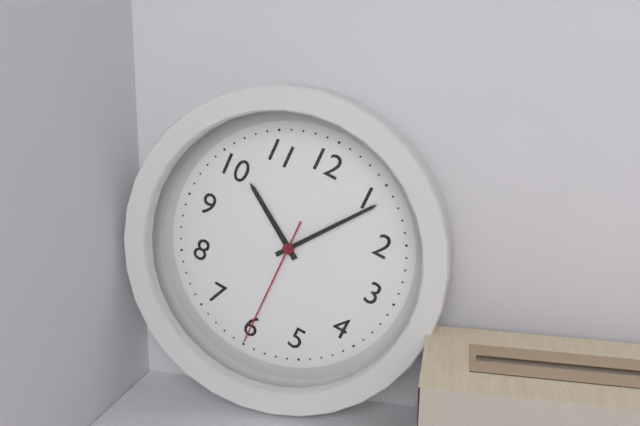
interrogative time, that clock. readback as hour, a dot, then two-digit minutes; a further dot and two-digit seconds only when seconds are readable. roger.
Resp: 10.06.30
